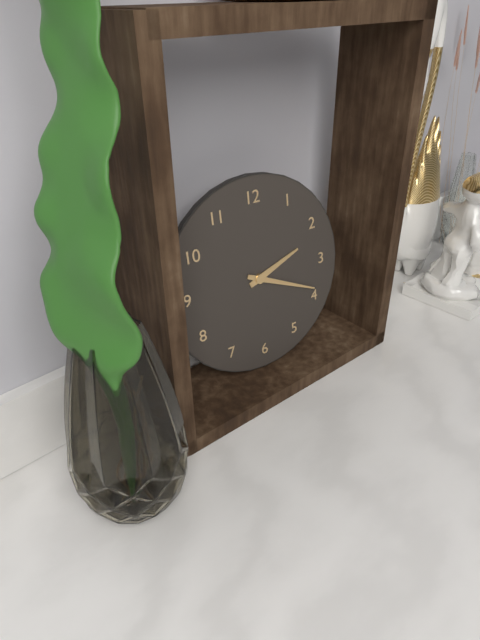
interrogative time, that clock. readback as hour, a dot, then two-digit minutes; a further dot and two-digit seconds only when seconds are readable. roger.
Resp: 2.19
